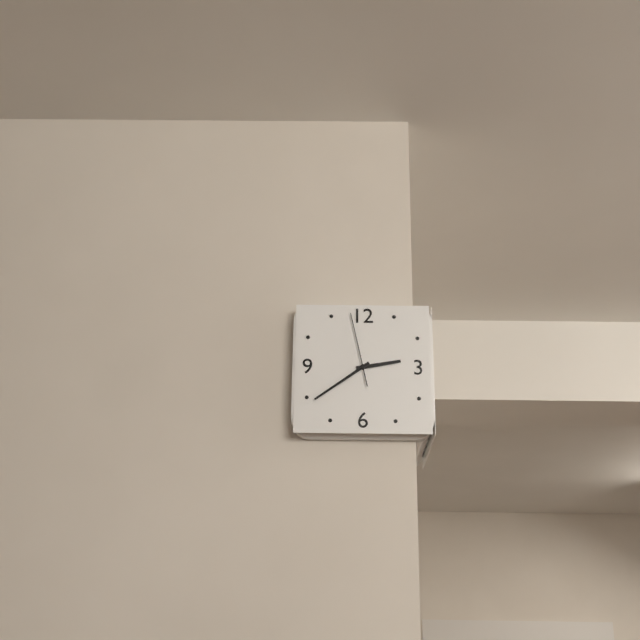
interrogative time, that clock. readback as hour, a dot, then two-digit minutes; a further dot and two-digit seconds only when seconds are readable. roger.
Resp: 2.39.58
